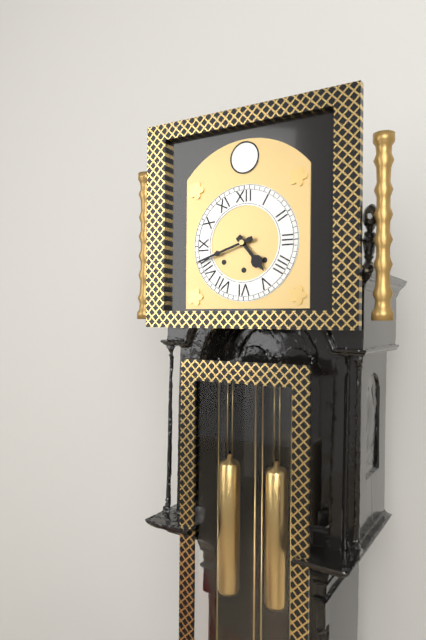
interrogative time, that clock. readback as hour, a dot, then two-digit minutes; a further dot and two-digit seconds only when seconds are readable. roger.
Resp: 4.42
